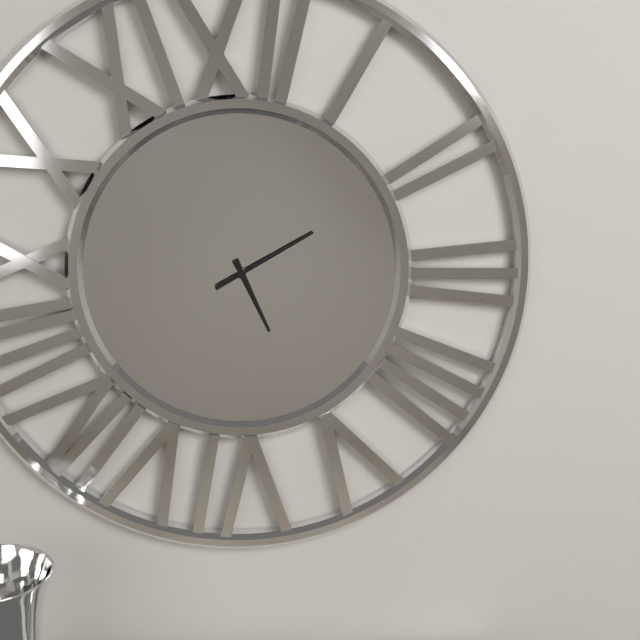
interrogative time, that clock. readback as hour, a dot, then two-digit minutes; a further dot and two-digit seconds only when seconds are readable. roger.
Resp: 5.10
